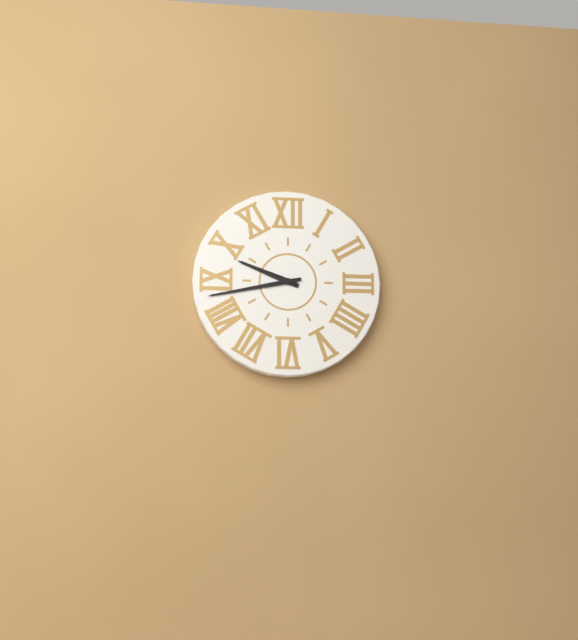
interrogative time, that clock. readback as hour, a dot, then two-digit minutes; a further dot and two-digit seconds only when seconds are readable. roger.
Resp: 9.43
